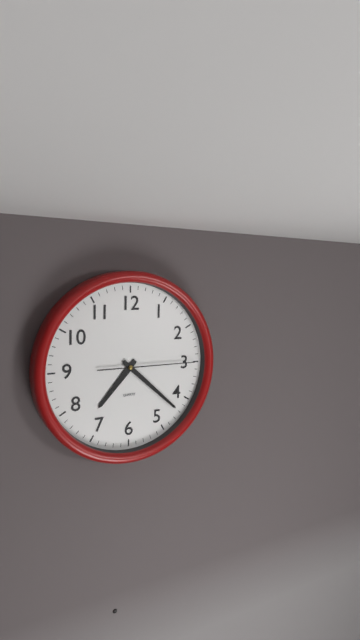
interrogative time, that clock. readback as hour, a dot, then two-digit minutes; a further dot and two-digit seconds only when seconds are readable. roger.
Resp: 7.22.15
